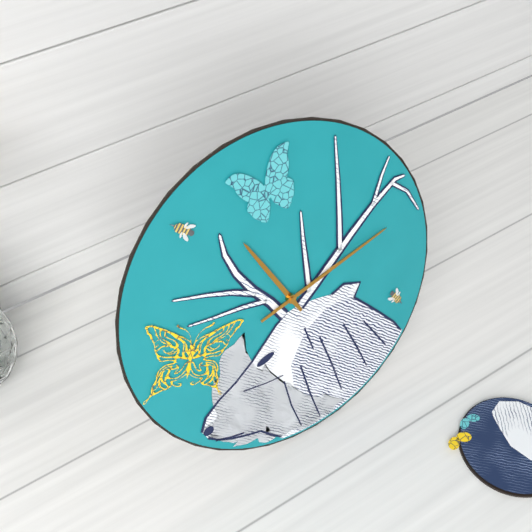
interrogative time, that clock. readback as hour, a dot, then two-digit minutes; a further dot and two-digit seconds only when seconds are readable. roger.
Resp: 11.13
